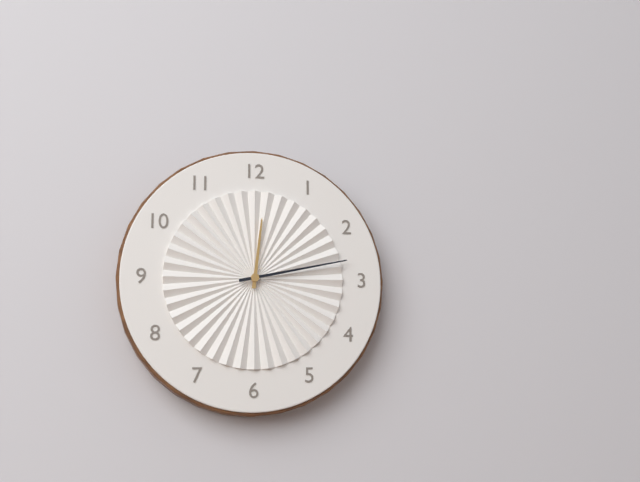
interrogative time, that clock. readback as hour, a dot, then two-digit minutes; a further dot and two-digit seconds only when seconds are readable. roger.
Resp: 12.13
